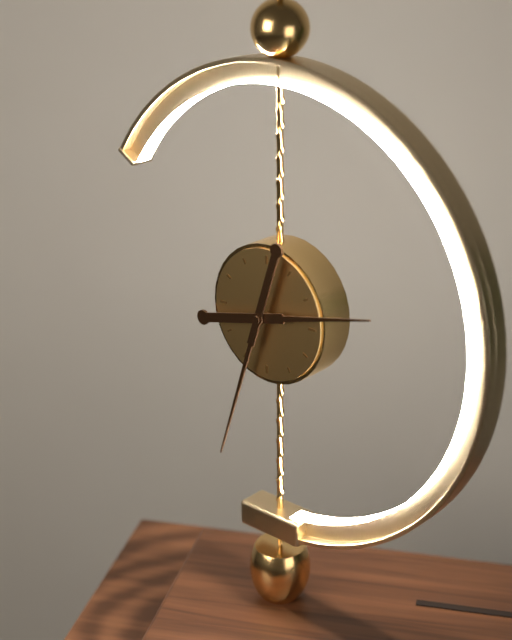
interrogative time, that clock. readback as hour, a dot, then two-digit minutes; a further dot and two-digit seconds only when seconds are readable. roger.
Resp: 2.33
